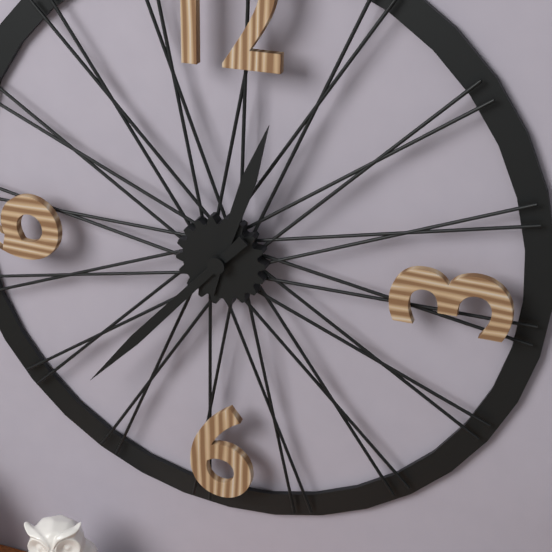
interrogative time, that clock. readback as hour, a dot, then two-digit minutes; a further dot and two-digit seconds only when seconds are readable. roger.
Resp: 12.37
